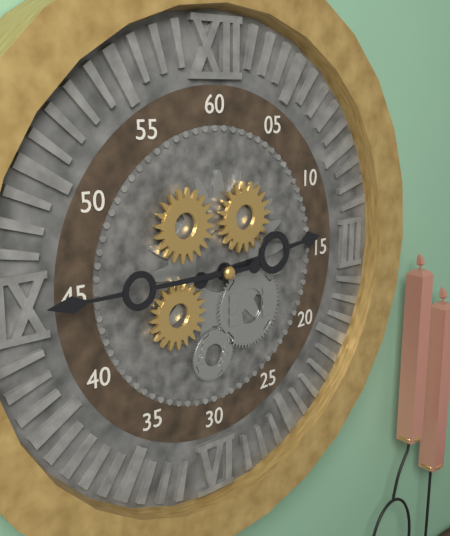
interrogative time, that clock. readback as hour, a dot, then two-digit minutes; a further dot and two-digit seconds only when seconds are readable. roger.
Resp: 2.45
